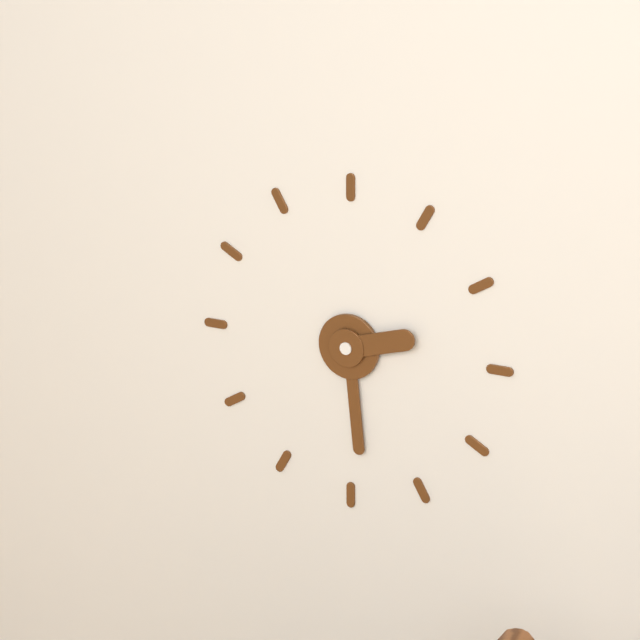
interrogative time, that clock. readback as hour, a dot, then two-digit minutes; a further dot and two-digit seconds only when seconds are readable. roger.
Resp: 2.29
